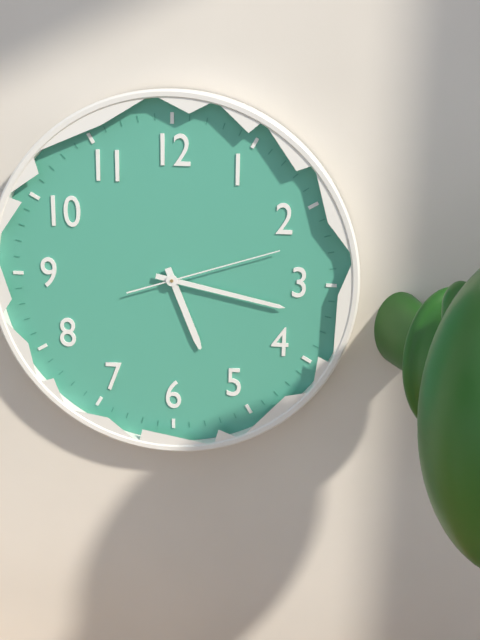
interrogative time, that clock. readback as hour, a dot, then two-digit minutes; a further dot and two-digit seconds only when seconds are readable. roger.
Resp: 5.17.12
